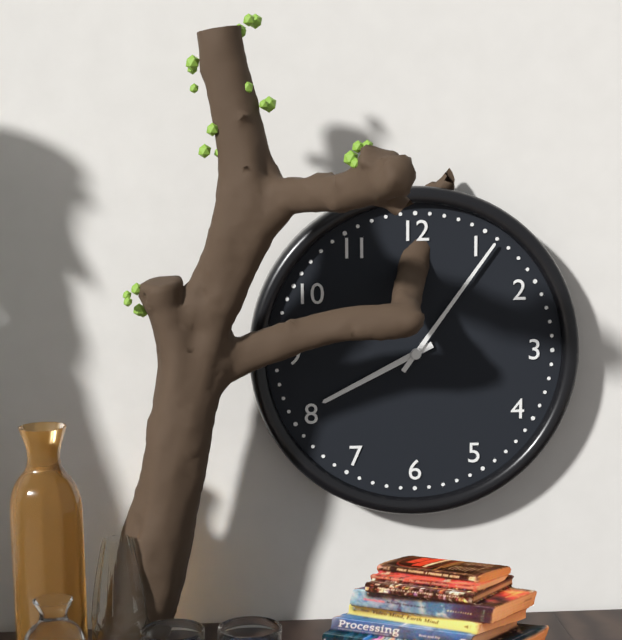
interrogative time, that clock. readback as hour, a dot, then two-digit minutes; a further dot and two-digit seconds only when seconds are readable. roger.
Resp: 8.06
